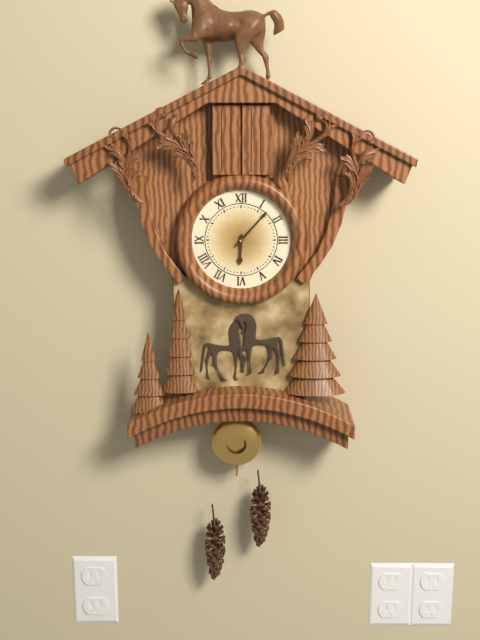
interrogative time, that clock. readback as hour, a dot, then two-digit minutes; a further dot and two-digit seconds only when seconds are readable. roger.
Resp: 6.07
